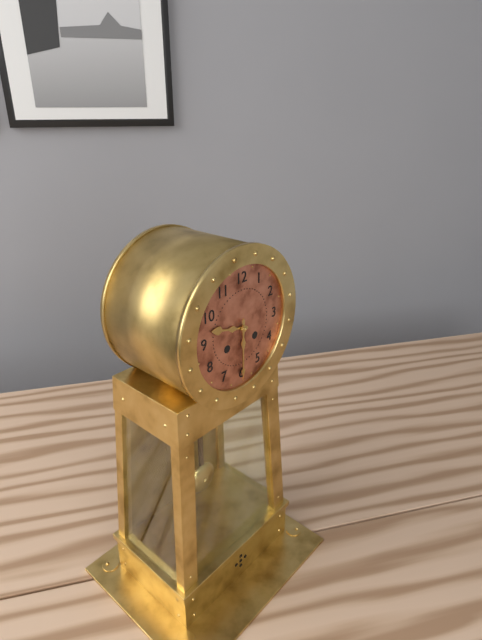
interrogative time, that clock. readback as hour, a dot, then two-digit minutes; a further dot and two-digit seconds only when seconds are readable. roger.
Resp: 9.30
